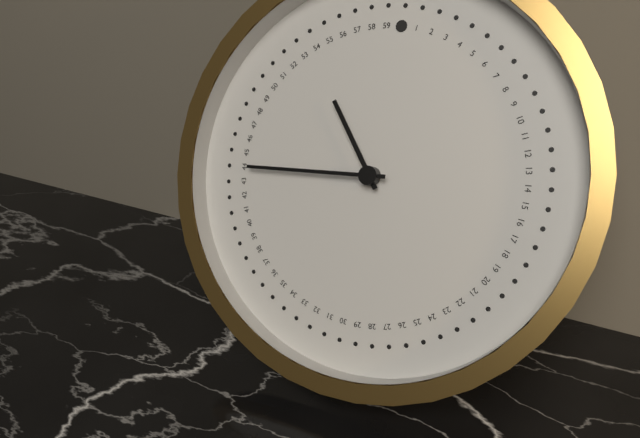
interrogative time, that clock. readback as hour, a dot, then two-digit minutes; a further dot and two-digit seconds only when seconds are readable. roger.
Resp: 10.44
